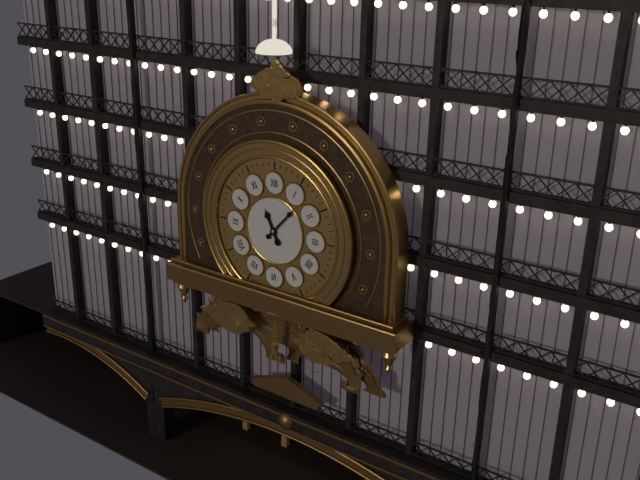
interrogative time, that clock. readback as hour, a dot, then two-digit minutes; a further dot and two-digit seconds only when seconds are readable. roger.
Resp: 11.07
